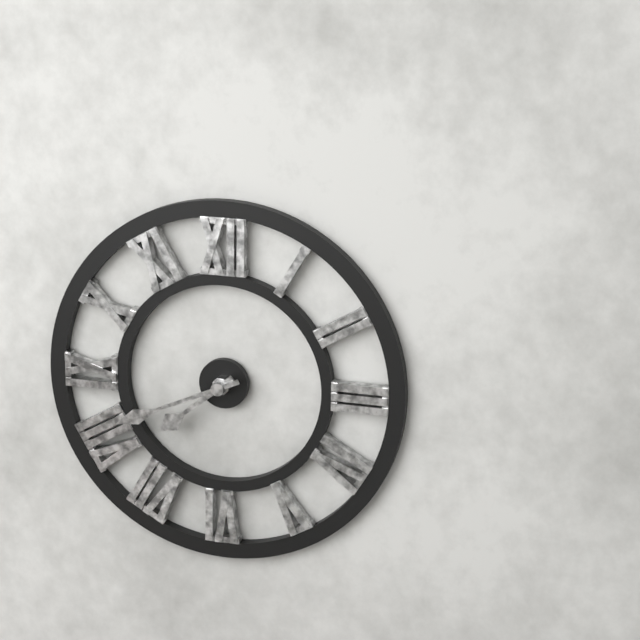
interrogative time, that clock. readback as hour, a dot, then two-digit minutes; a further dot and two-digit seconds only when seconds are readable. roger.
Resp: 7.41
